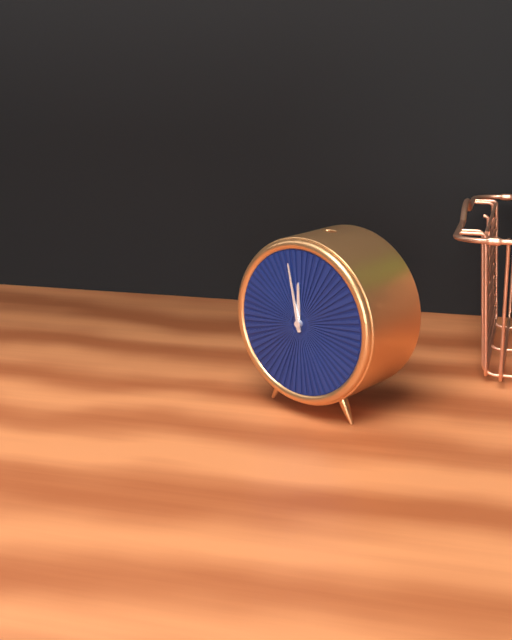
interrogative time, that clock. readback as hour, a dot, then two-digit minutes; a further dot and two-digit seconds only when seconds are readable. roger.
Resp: 11.58
